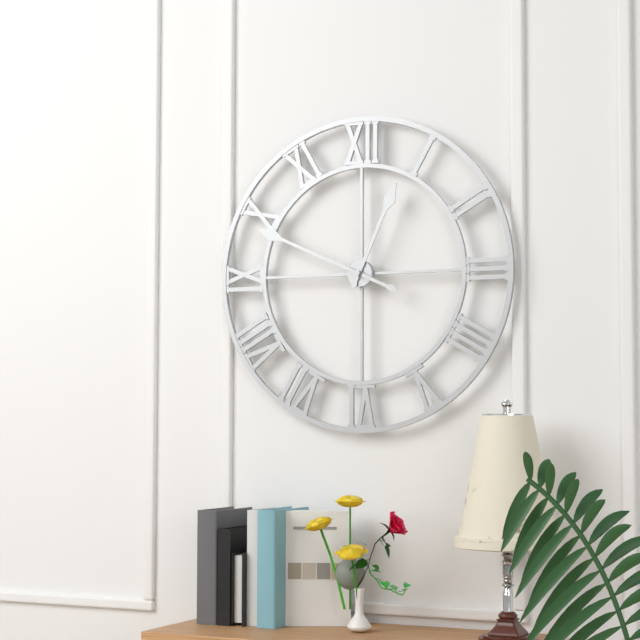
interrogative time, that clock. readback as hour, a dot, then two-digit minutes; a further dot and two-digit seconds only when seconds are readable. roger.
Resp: 12.49
